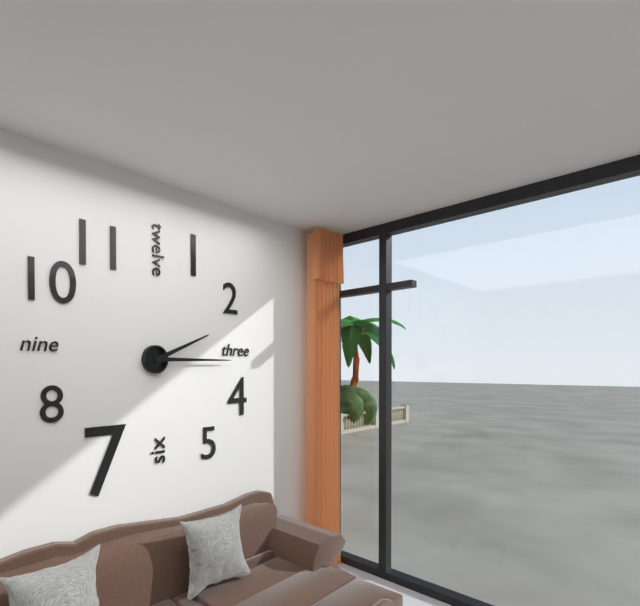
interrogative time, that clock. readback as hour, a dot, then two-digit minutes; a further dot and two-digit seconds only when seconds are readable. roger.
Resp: 2.15
